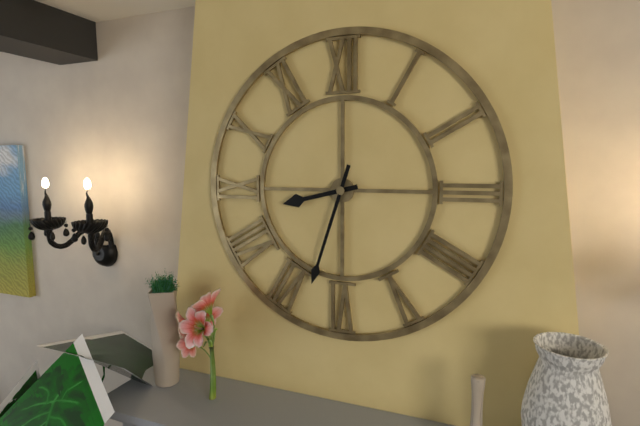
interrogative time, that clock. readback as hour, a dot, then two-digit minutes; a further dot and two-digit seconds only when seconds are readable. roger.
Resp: 8.33
